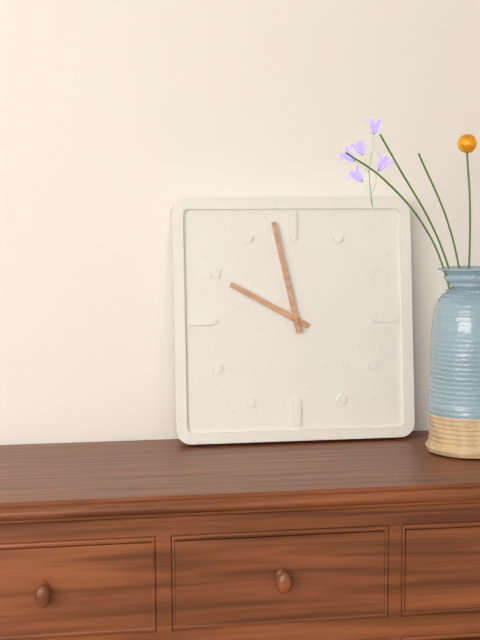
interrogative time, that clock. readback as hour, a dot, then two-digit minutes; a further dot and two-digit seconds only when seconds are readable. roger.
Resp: 9.58
